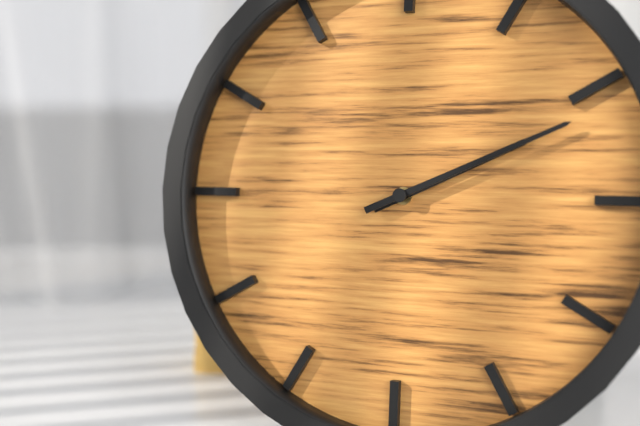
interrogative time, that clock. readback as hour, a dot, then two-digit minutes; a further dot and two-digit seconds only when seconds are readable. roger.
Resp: 2.11
